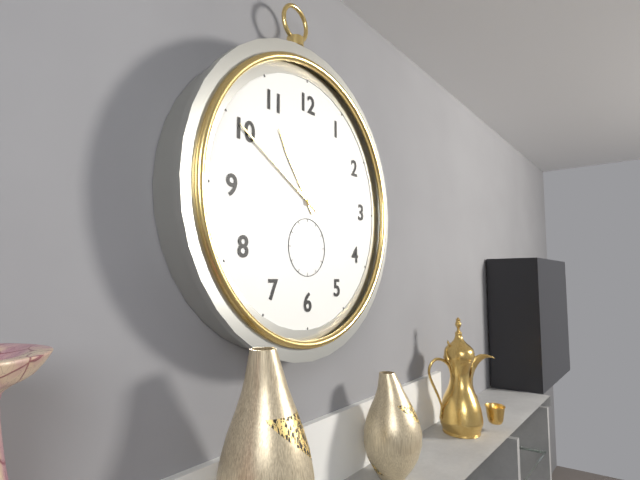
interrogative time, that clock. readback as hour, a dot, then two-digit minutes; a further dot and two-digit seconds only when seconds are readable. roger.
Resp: 10.50
